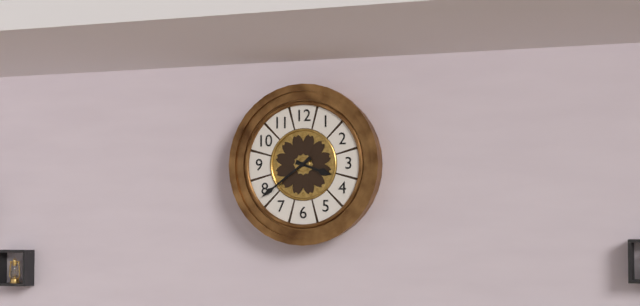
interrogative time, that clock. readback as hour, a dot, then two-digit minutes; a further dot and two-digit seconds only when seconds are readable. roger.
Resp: 3.39
